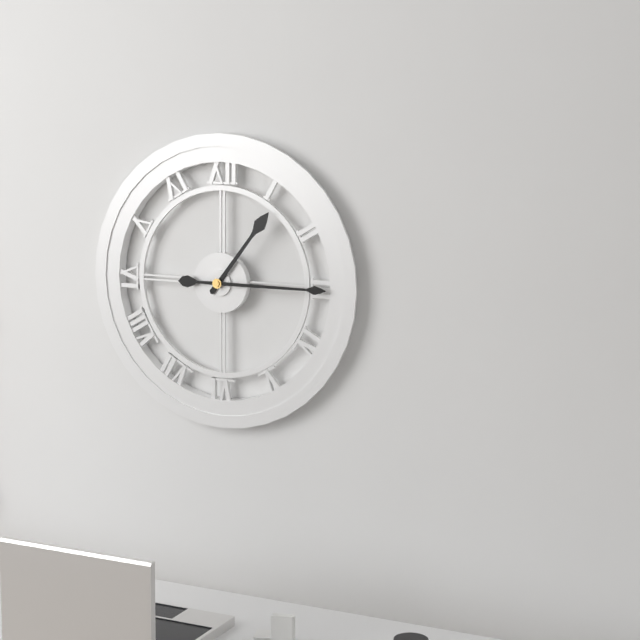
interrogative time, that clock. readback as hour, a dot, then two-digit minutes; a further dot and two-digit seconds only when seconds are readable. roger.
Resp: 1.15
